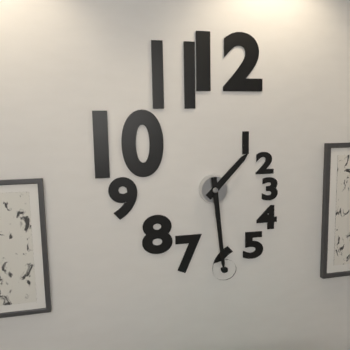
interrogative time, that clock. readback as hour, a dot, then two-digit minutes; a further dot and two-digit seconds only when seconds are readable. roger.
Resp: 1.29
